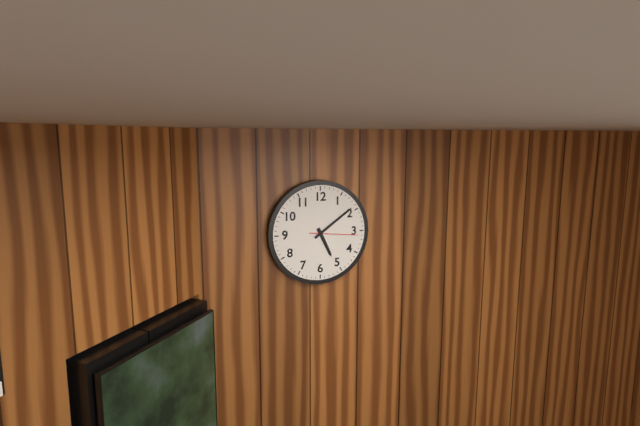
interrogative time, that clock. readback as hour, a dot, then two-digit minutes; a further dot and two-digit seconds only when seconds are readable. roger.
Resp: 5.09.16
